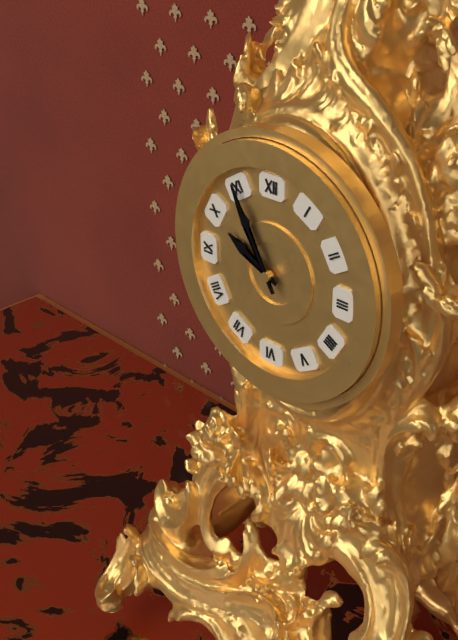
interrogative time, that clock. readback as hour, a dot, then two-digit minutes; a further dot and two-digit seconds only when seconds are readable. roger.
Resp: 9.55
